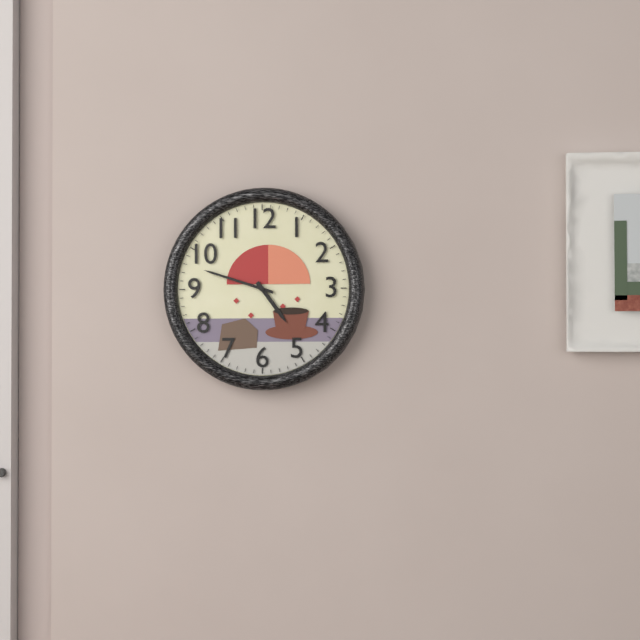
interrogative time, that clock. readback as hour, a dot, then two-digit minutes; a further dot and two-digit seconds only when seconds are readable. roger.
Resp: 4.48
